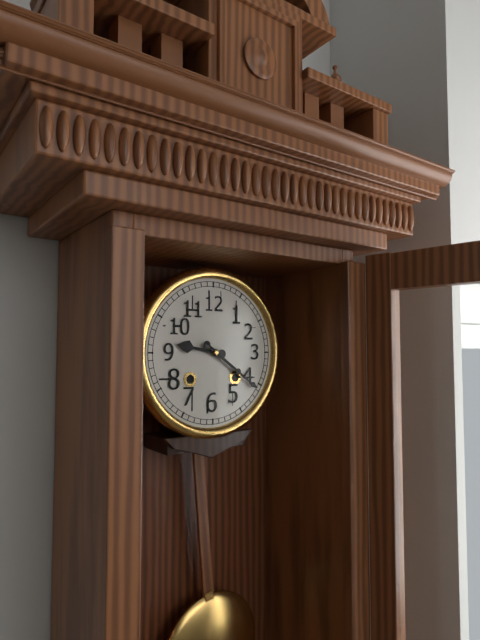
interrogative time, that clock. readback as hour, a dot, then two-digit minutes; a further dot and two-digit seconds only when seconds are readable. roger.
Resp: 9.21
